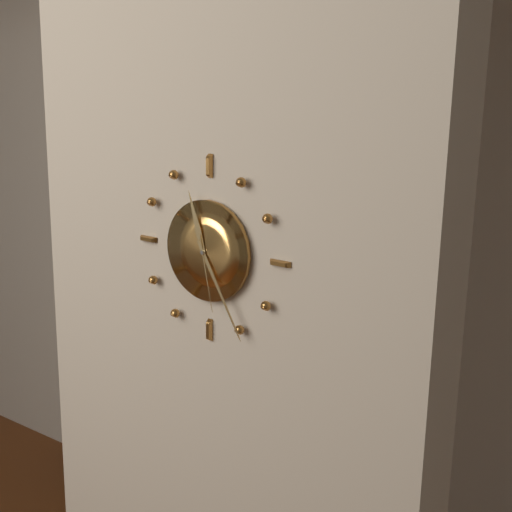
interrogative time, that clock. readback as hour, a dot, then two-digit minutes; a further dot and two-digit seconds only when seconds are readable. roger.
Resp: 11.25.28
